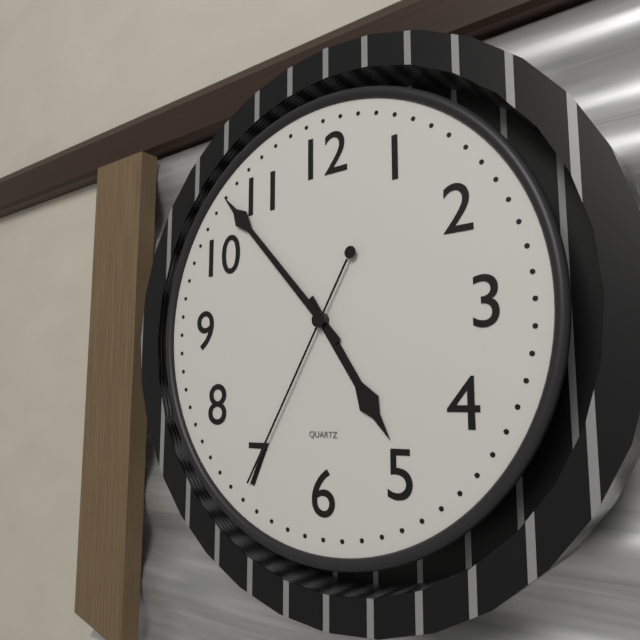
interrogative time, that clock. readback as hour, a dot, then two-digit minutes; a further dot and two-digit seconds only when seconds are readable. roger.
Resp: 4.53.35
